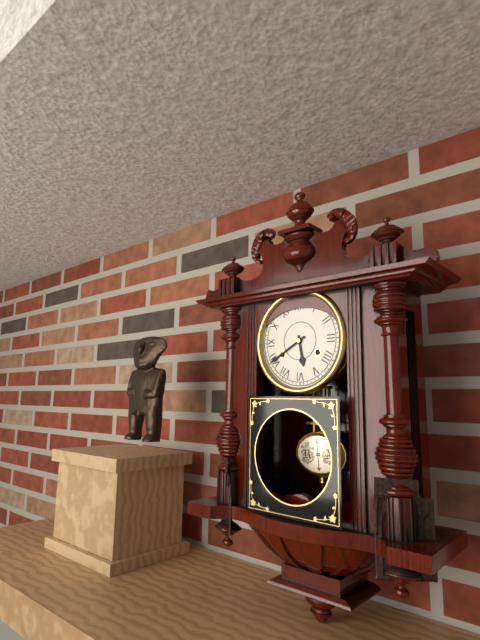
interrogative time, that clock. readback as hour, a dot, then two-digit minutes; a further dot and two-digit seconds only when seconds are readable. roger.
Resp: 5.40
